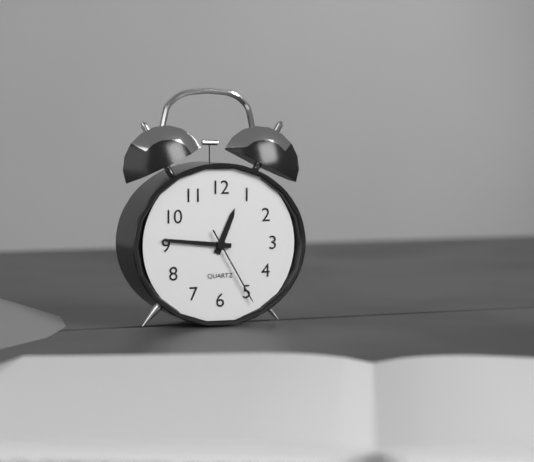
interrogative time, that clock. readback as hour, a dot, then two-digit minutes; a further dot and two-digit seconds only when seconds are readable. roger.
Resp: 12.46.25
